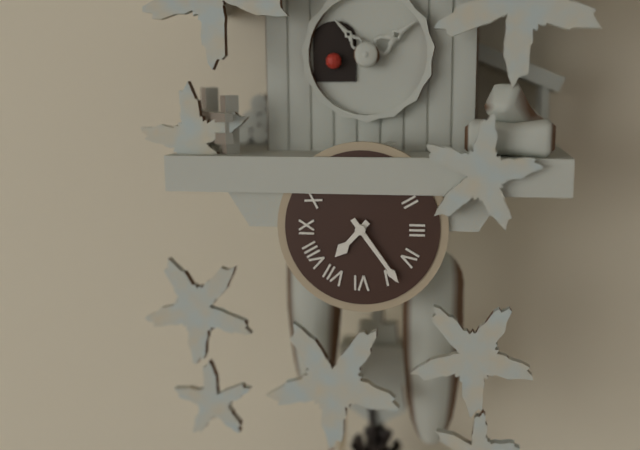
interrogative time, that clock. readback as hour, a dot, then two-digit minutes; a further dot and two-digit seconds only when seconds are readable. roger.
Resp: 7.24
